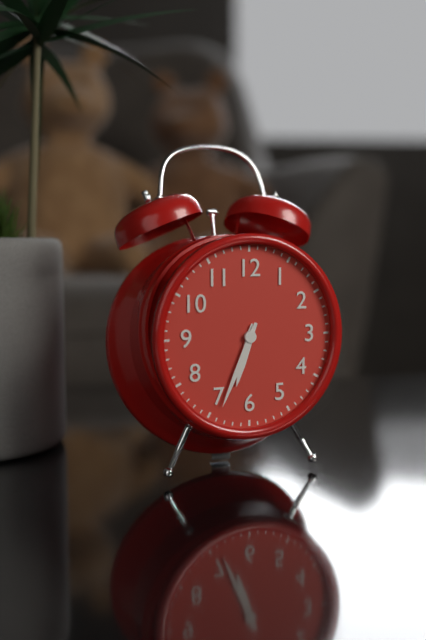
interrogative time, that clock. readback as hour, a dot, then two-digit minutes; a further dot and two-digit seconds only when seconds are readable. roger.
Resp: 6.34
